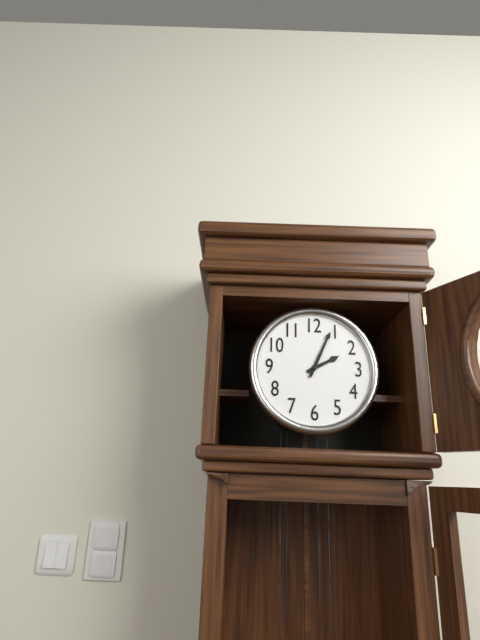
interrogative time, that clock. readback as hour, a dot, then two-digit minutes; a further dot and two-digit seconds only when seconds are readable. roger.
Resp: 2.04
